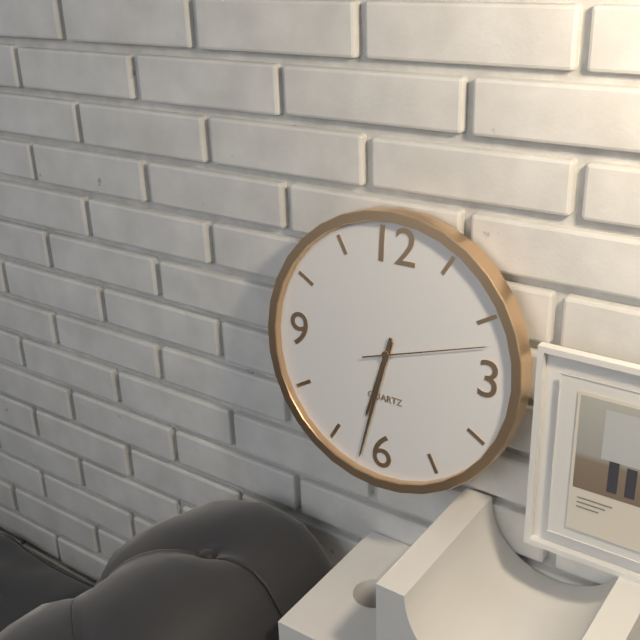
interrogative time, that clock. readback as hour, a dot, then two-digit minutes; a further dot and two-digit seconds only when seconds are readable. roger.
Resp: 6.32.12
